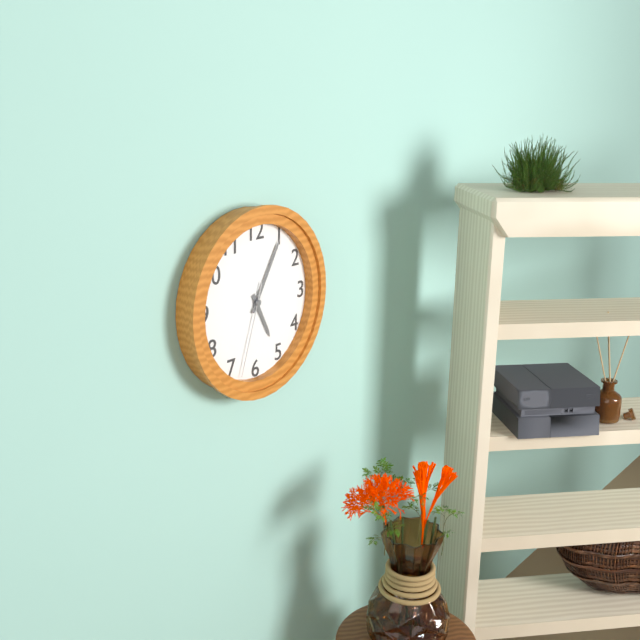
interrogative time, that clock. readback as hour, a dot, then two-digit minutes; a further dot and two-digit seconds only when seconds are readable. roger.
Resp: 5.05.33
